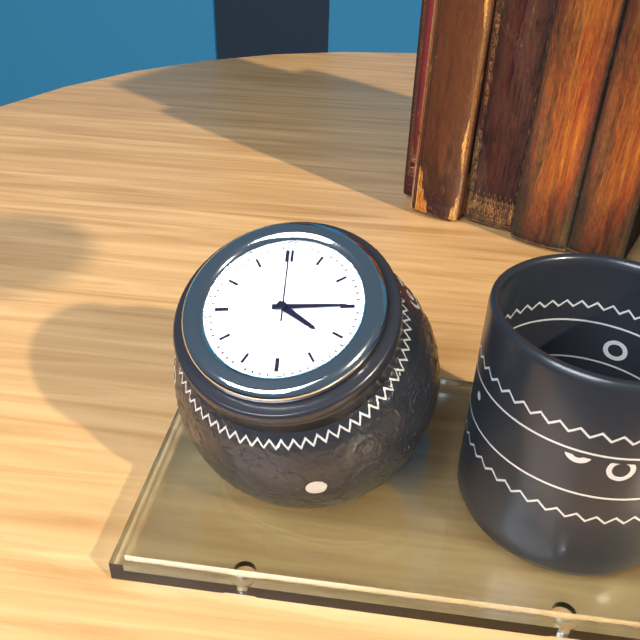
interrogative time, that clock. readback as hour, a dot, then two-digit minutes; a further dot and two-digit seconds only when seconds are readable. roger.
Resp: 4.15.00
